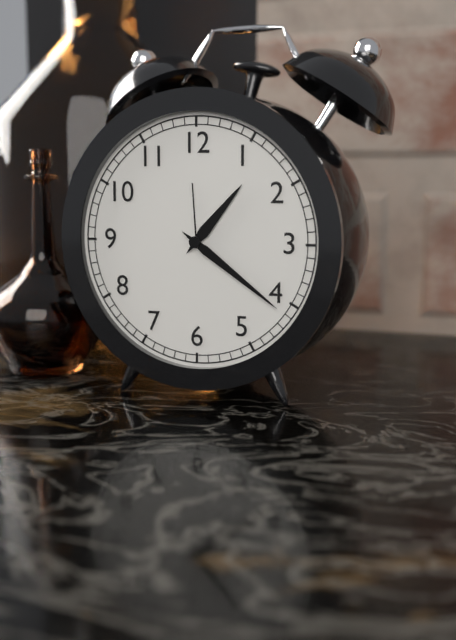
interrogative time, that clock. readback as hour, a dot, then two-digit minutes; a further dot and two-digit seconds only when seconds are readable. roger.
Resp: 1.21
